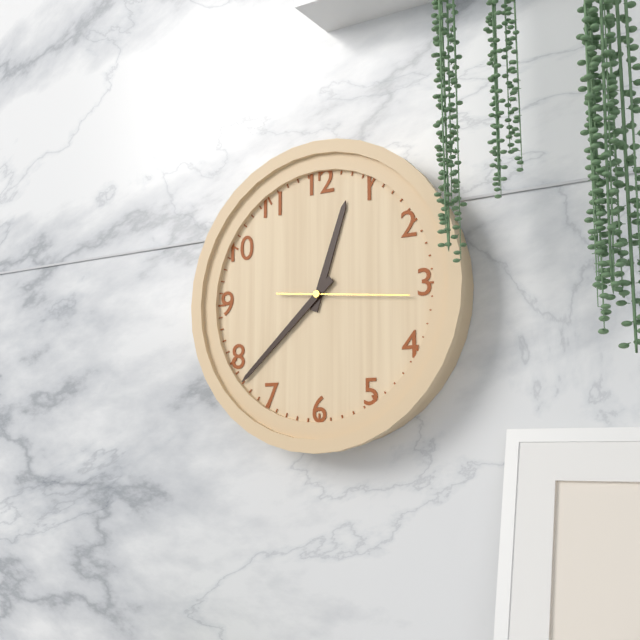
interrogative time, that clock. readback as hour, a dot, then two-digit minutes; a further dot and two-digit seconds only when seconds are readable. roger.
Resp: 12.38.16
